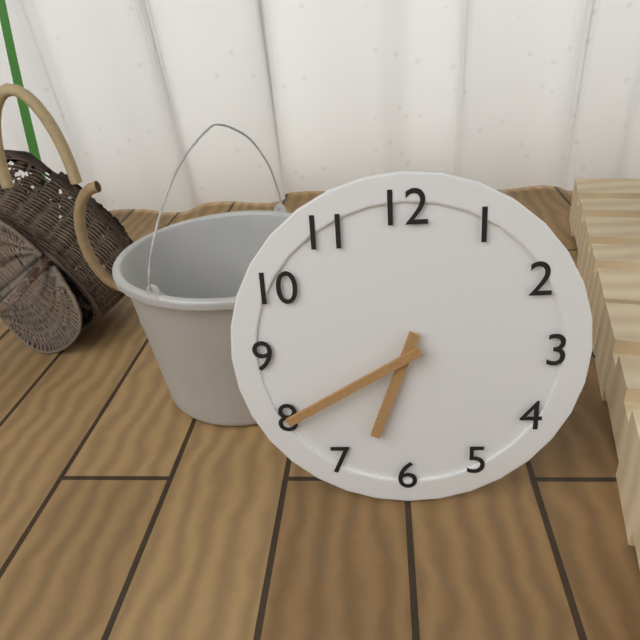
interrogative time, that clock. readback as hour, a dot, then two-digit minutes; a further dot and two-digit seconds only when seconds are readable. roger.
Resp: 6.40
